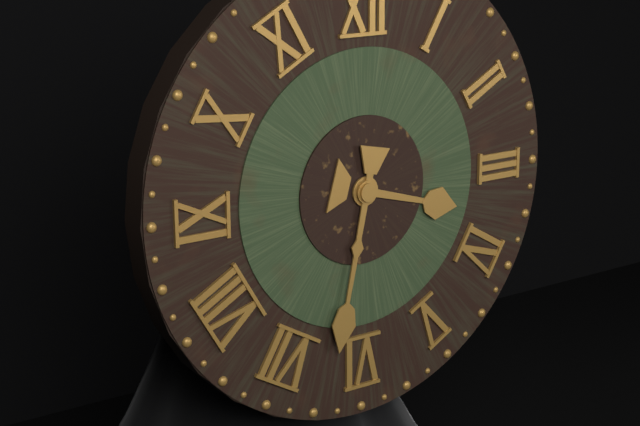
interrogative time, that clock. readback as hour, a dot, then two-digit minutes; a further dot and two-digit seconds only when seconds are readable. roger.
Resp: 3.32
